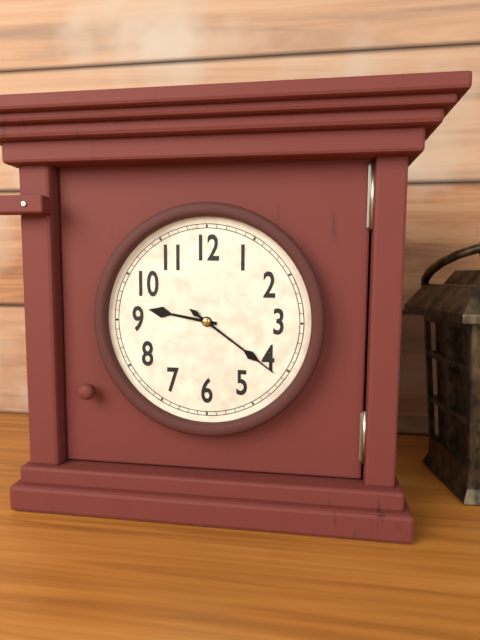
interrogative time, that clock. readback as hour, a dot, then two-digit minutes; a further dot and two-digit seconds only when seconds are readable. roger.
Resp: 9.21
